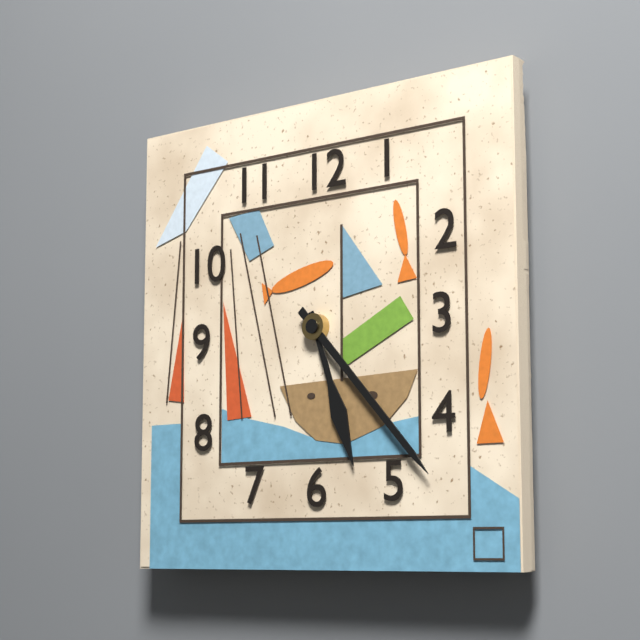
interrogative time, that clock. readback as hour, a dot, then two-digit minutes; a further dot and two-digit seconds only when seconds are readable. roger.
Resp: 5.23
